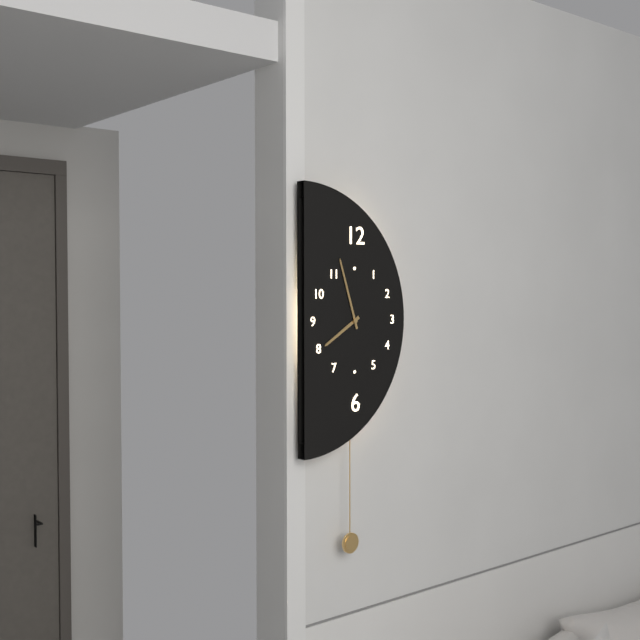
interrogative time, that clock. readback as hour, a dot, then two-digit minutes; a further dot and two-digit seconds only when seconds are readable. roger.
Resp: 7.57
